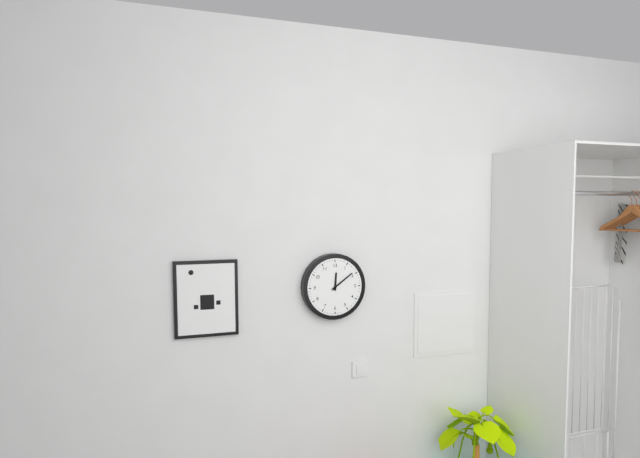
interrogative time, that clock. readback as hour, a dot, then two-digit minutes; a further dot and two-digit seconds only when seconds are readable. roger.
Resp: 12.09
